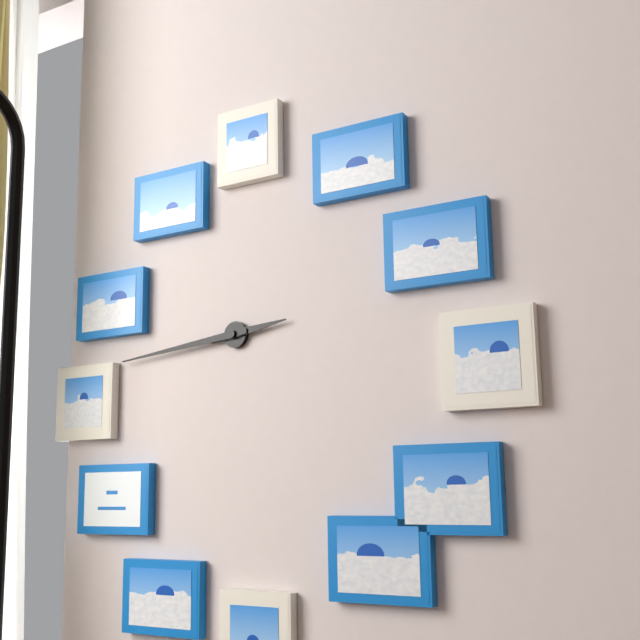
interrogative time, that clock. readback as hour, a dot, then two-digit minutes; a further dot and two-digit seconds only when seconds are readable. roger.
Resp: 2.44
